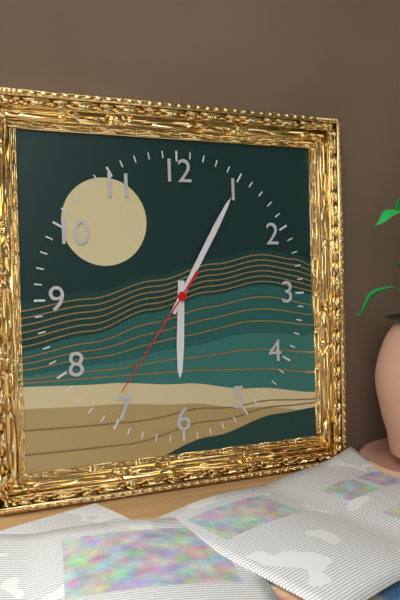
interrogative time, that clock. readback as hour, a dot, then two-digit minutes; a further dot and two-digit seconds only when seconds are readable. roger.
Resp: 6.05.36
